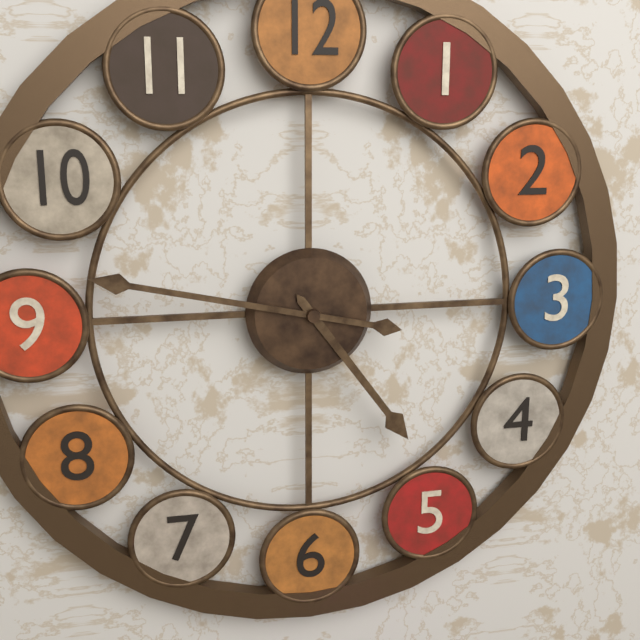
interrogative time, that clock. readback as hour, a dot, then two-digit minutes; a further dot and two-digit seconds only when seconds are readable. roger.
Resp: 4.47
